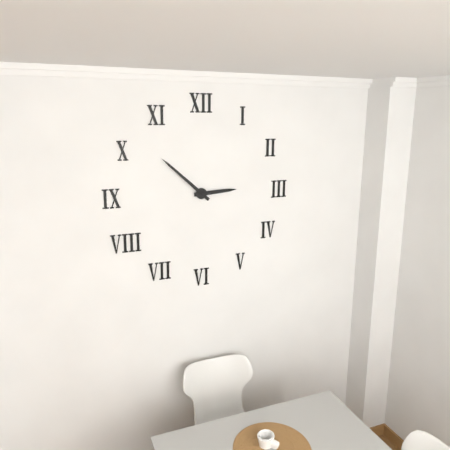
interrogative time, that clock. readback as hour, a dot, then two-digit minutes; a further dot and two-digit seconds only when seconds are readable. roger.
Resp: 2.52
